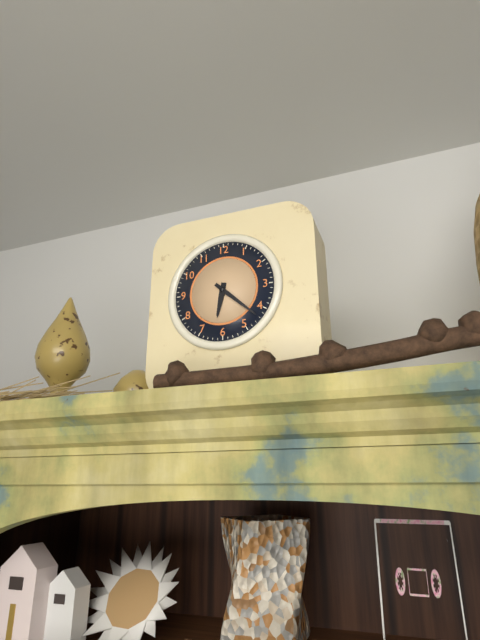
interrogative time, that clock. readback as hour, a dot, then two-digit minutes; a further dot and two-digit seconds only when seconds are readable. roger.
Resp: 6.22
